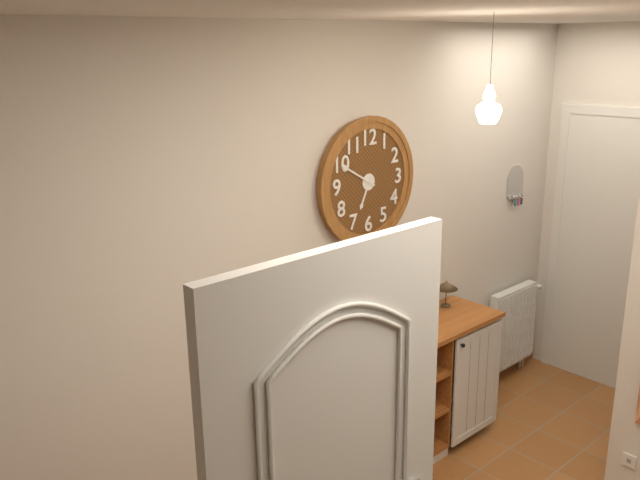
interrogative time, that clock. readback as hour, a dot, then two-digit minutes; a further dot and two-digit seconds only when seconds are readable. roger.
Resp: 6.50
